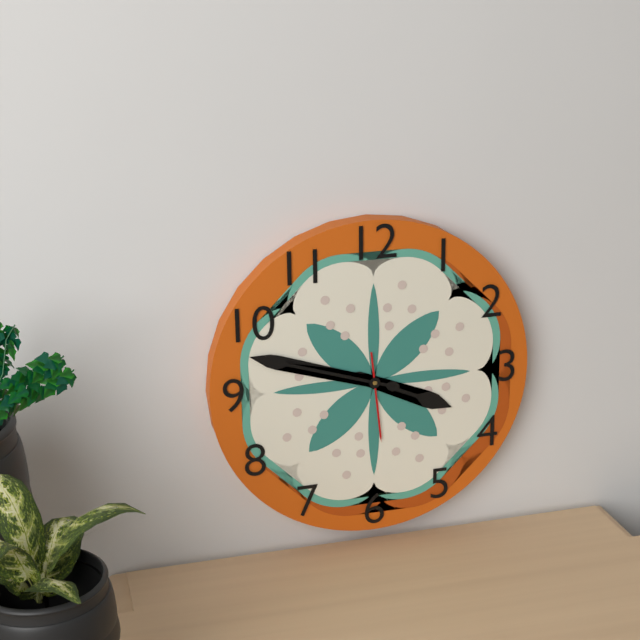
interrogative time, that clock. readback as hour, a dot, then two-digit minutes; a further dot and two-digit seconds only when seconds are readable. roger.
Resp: 3.48.29
